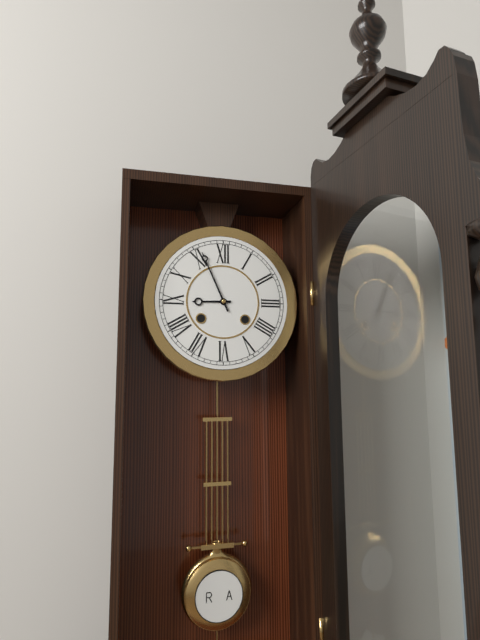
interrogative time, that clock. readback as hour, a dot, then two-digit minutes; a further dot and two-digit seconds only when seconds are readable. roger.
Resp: 8.56
